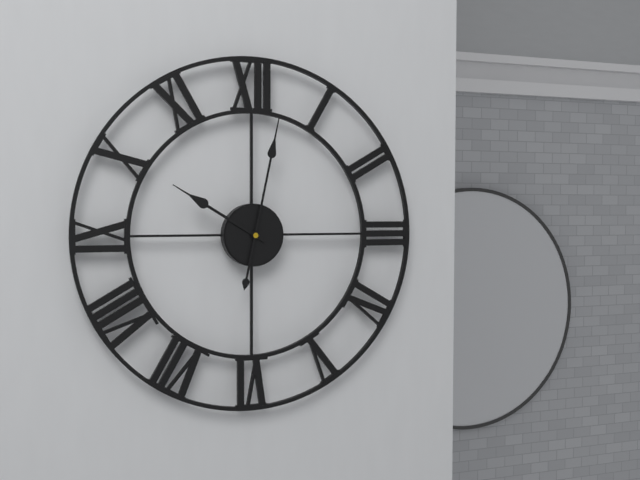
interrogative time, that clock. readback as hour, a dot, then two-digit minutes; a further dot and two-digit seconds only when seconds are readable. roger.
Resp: 10.02
